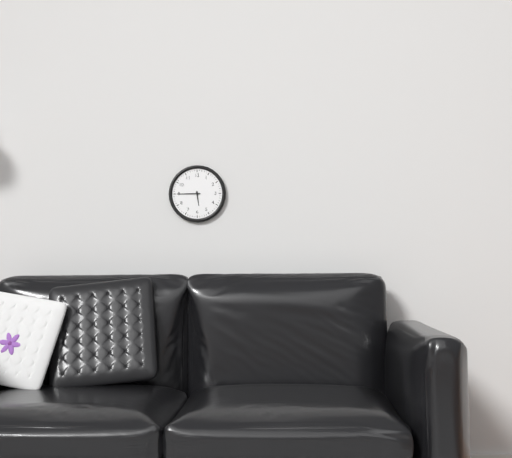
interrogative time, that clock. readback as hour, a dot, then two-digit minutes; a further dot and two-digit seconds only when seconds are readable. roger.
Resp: 5.45
